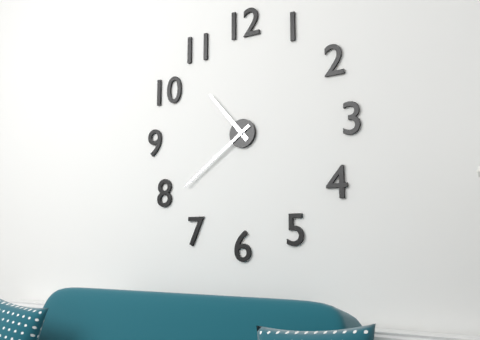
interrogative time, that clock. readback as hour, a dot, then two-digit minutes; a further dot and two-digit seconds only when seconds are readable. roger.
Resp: 10.39
